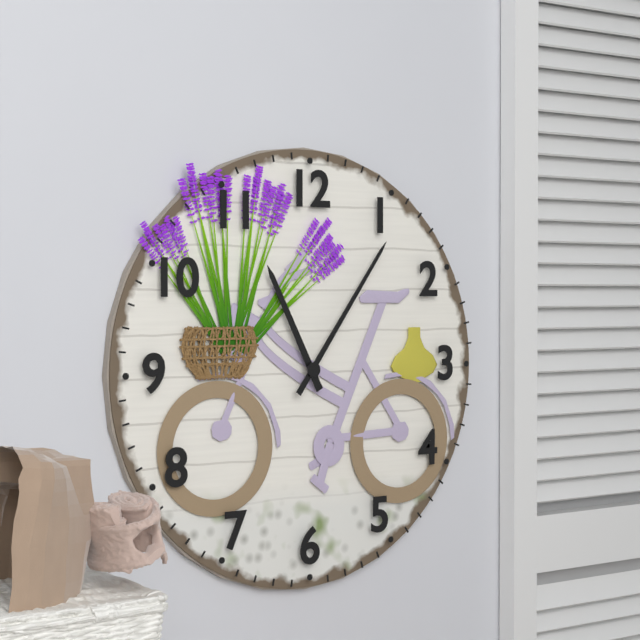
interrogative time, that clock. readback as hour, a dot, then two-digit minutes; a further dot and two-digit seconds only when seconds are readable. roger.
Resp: 11.06
